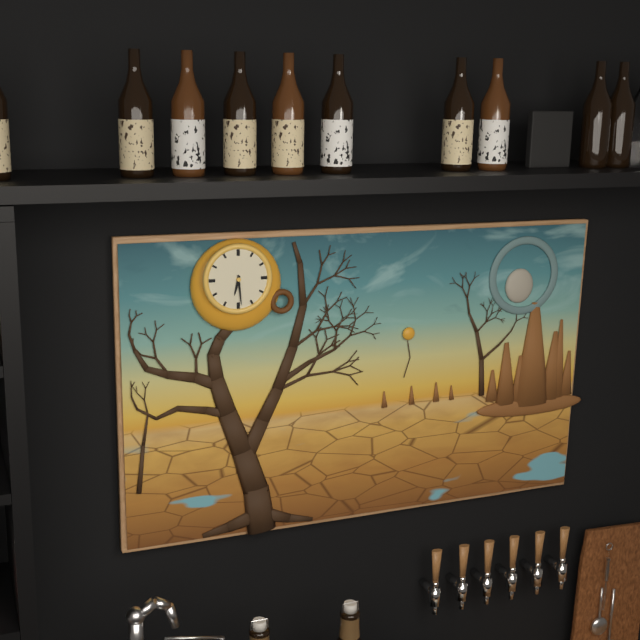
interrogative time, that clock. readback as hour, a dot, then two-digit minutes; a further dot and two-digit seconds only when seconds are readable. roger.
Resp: 6.29
